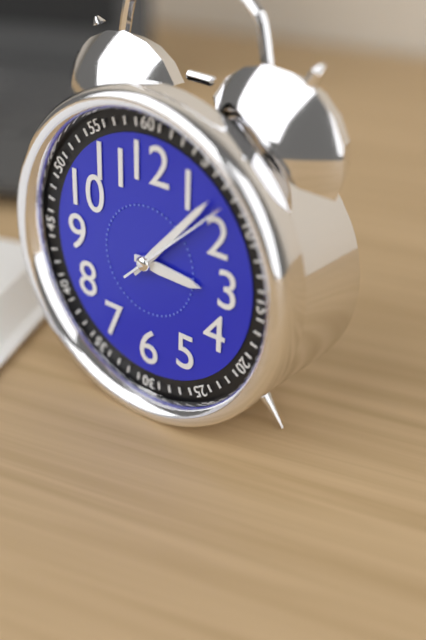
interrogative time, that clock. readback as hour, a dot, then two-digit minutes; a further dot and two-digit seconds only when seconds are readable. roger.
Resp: 3.07.08
